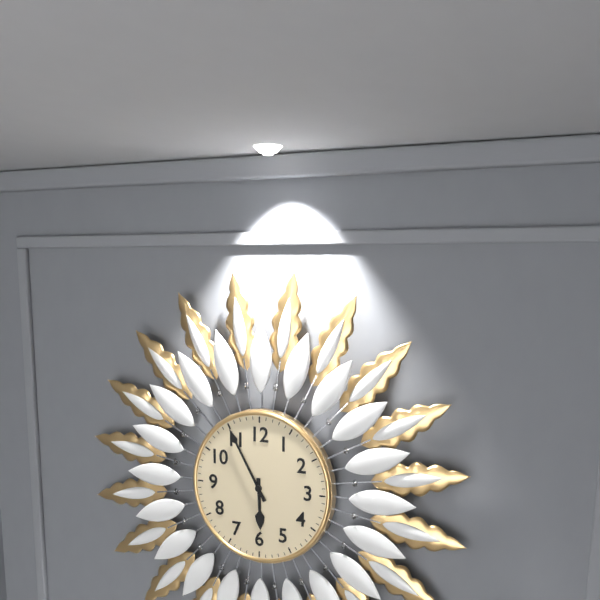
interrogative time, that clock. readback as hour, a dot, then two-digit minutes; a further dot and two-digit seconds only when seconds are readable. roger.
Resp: 5.55
